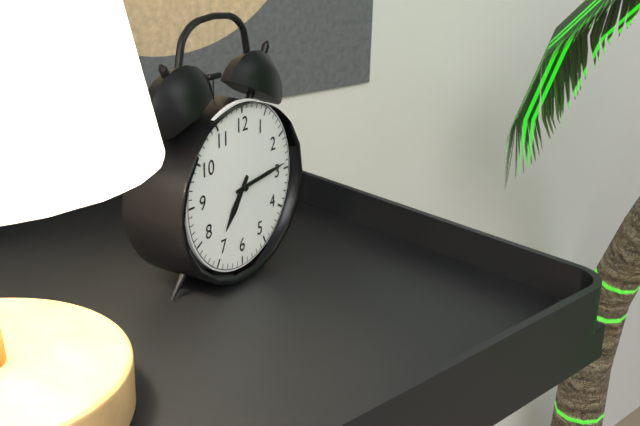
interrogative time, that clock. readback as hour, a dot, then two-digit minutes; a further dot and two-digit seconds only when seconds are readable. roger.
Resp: 7.14
